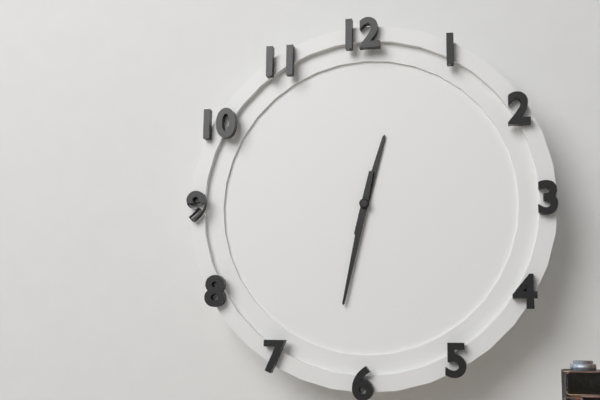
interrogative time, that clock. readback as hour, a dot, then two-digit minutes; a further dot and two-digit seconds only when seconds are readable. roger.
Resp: 12.32
